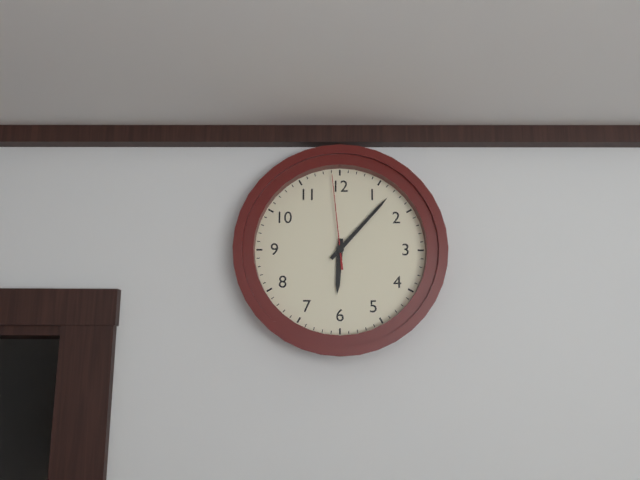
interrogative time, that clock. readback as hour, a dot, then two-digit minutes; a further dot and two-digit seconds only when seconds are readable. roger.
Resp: 6.07.59
